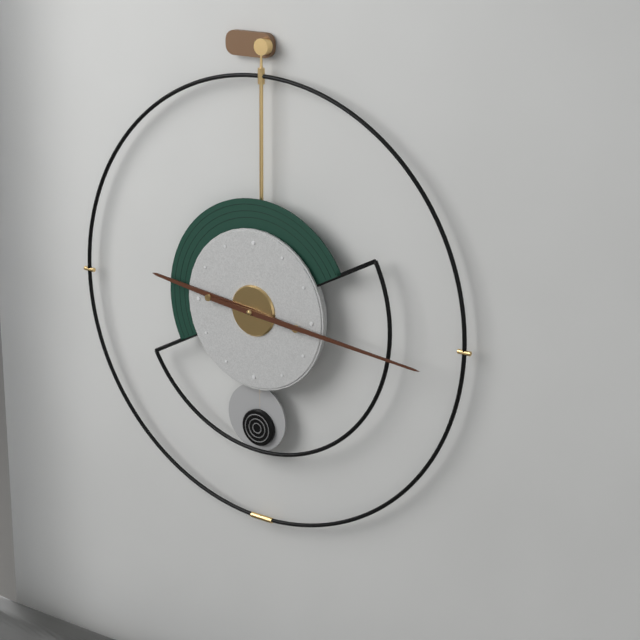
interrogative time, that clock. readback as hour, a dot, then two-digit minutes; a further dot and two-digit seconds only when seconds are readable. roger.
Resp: 9.16
